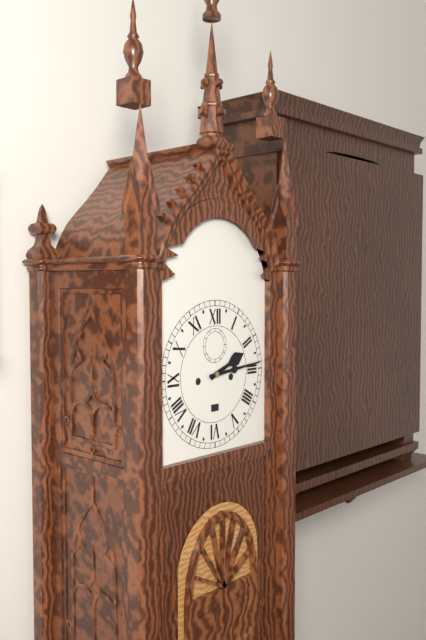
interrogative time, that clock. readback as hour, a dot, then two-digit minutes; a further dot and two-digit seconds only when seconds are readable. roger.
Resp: 2.14
